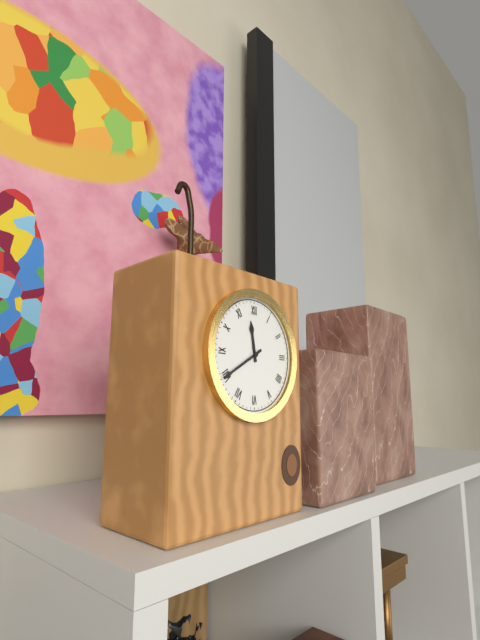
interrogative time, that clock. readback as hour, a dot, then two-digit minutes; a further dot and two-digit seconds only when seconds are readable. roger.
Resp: 11.40
